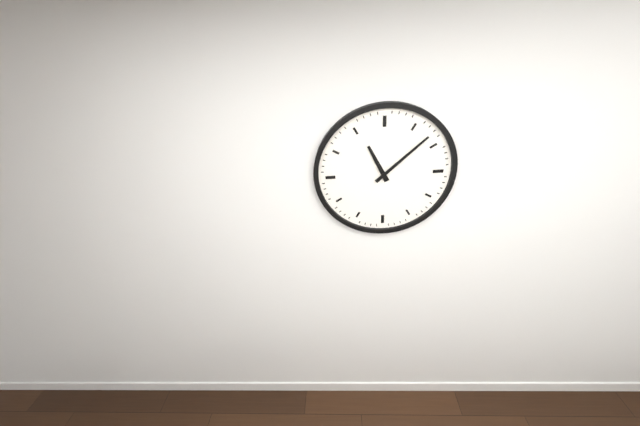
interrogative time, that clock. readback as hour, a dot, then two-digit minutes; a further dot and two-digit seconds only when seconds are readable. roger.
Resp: 11.08
